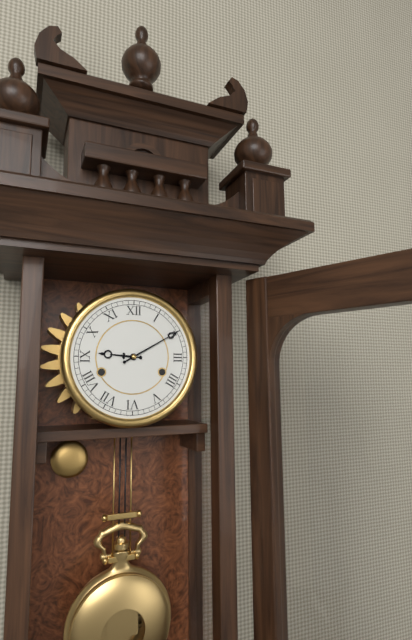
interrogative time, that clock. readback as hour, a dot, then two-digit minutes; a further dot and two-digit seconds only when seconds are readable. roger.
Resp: 9.10
